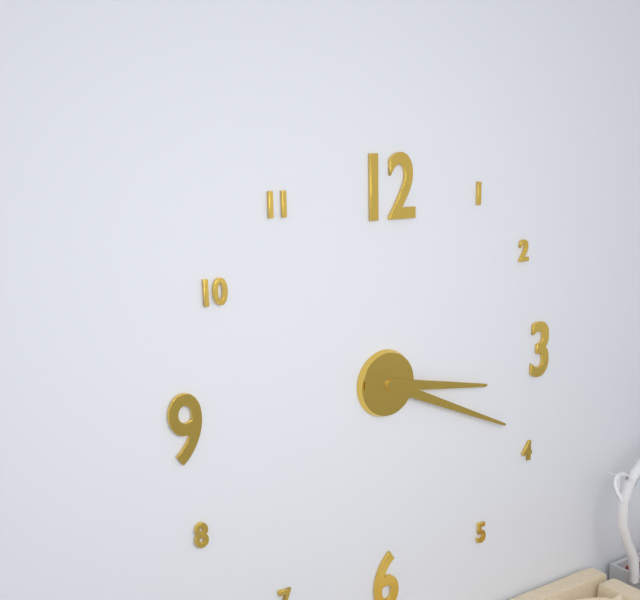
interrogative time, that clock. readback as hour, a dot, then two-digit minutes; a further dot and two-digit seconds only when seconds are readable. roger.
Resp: 3.19
